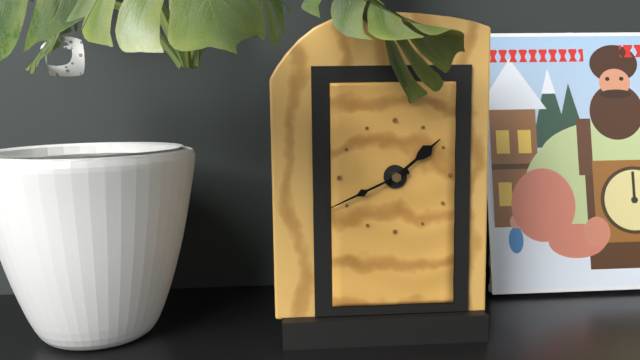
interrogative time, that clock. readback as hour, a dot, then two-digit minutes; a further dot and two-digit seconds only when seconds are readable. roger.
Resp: 1.41
